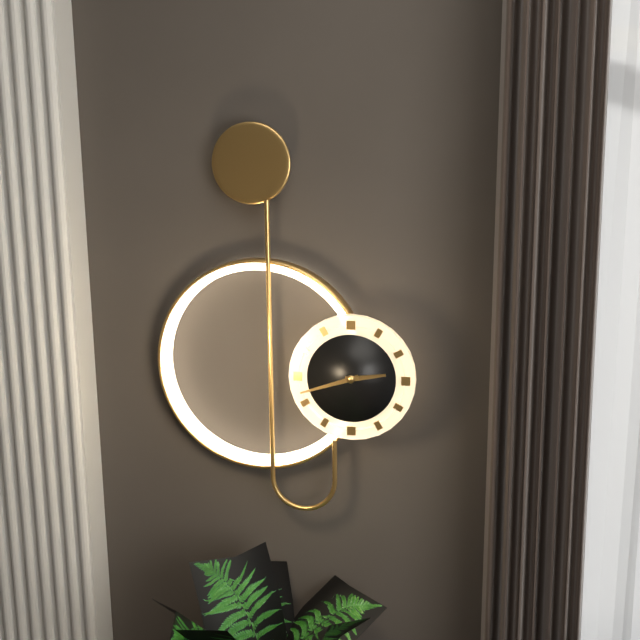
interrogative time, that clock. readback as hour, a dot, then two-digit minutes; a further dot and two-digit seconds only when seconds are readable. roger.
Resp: 2.42
